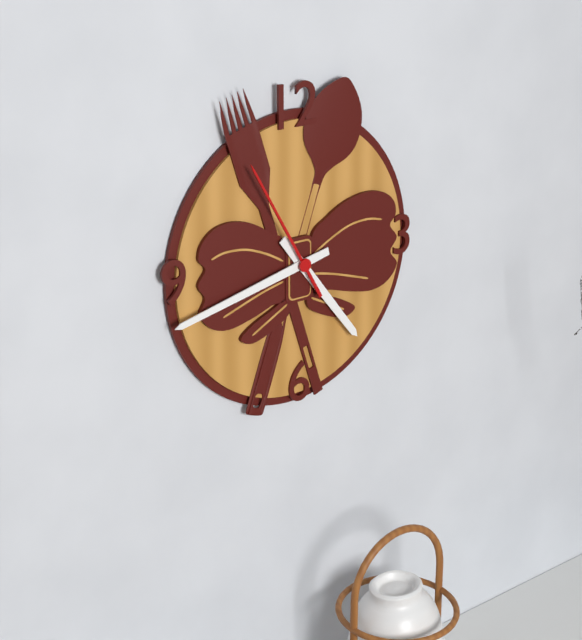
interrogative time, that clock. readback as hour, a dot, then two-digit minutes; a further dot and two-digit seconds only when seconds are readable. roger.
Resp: 4.43.55
